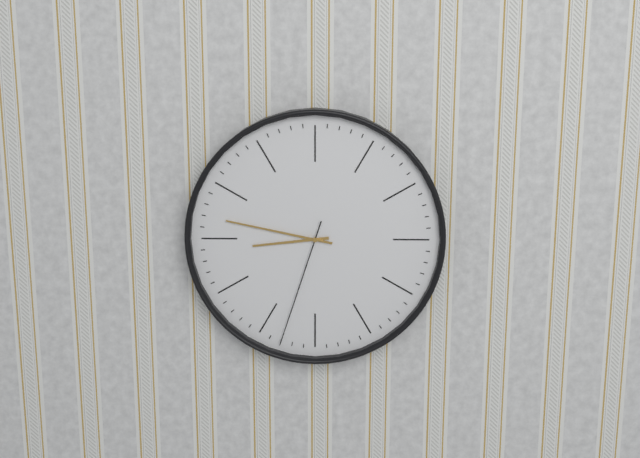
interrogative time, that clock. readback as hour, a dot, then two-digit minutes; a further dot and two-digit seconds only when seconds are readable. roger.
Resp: 8.47.33
